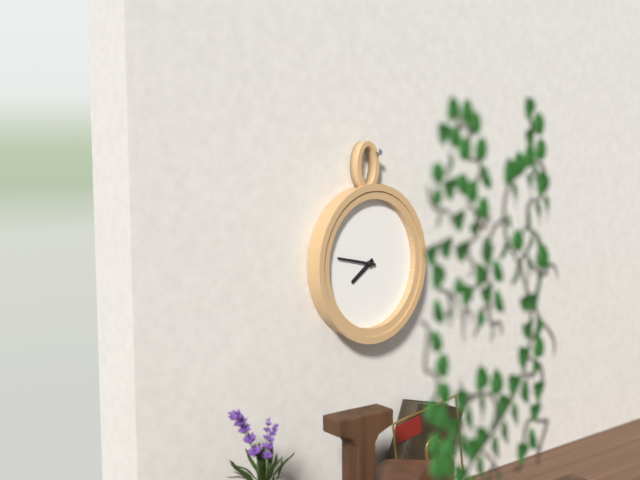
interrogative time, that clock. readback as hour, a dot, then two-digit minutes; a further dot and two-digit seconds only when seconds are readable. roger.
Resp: 7.47
